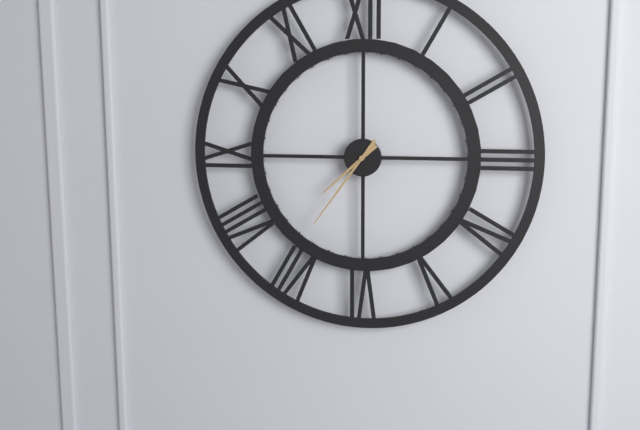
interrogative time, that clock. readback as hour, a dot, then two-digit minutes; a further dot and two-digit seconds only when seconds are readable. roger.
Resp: 7.36
